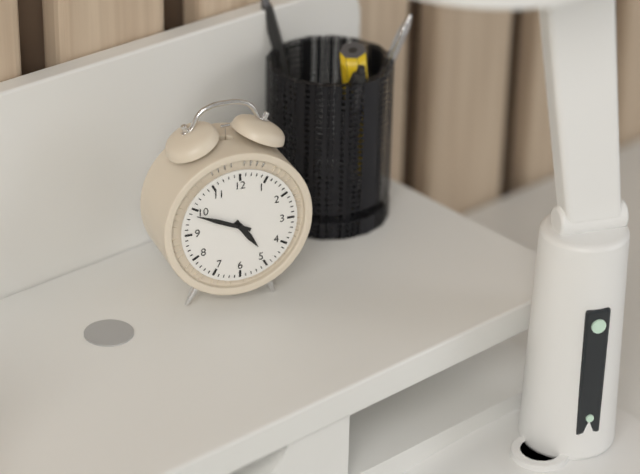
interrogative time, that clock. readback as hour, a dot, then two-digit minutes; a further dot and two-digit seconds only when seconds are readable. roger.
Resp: 4.49
